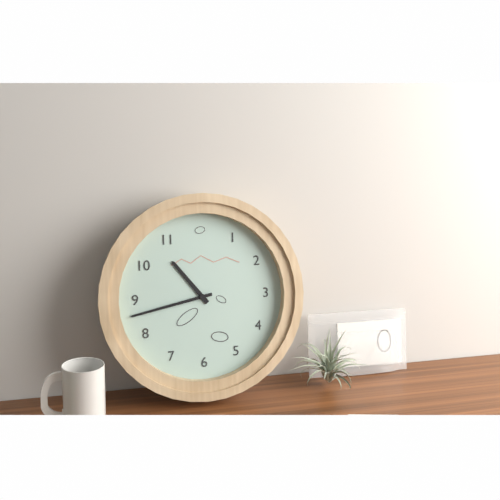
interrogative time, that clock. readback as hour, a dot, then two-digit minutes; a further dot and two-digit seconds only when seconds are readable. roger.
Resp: 10.43
